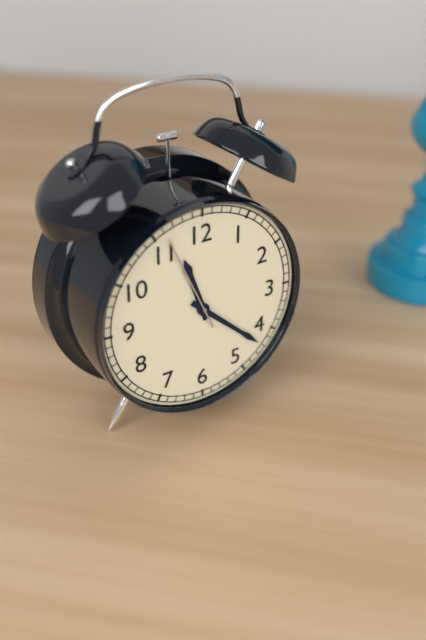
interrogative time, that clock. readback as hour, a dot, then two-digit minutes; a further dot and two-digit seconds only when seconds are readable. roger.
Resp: 11.22.56
